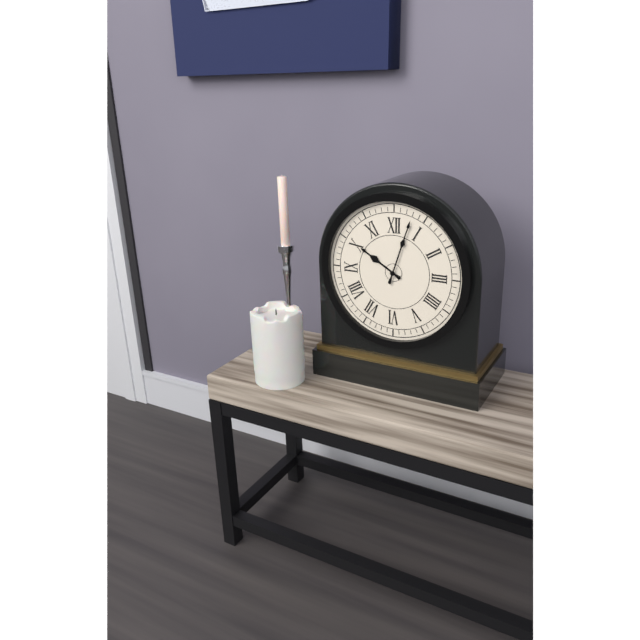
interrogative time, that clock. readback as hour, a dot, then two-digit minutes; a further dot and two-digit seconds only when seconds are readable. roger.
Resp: 10.03
